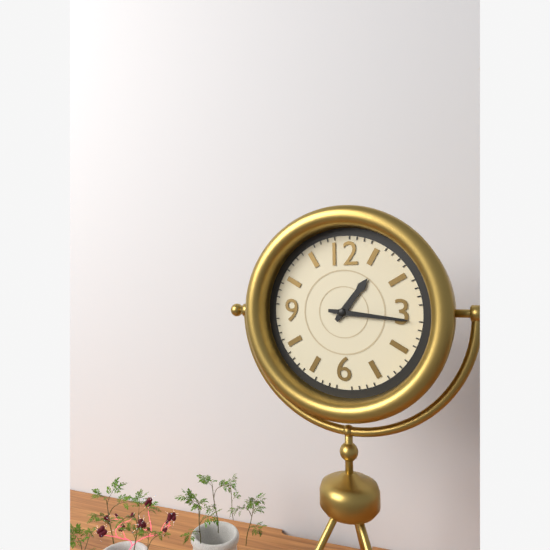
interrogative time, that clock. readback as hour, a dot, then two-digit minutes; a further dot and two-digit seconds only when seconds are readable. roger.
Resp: 1.16
